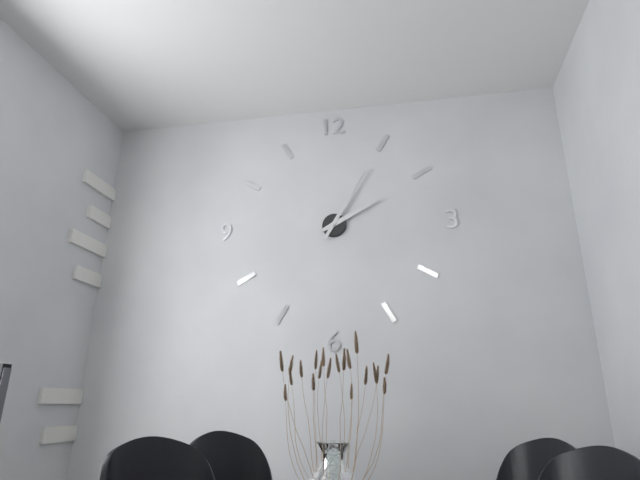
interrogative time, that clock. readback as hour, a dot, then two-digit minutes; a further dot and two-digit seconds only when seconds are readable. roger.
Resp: 2.05
